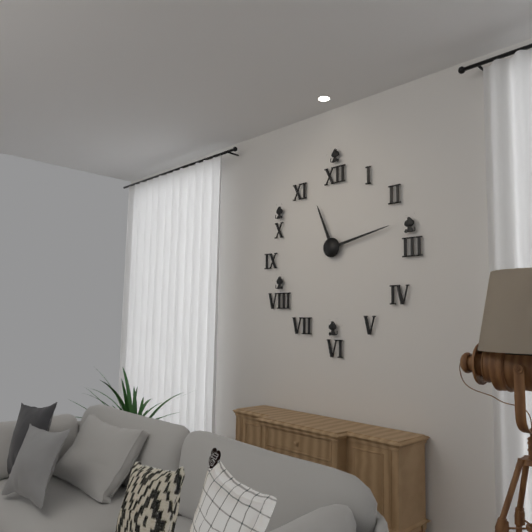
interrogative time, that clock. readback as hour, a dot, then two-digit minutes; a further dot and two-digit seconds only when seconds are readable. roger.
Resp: 11.13
